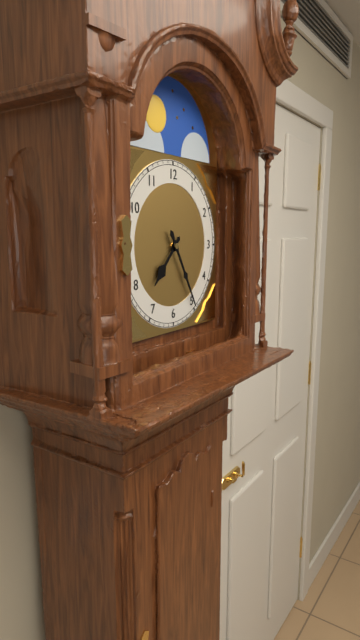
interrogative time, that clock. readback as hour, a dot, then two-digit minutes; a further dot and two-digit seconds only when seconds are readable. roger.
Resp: 7.25
